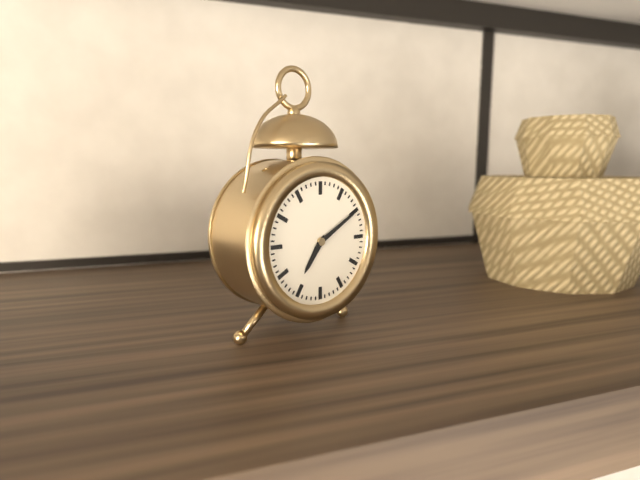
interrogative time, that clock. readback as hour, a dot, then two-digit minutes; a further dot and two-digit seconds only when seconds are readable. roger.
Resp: 7.10
